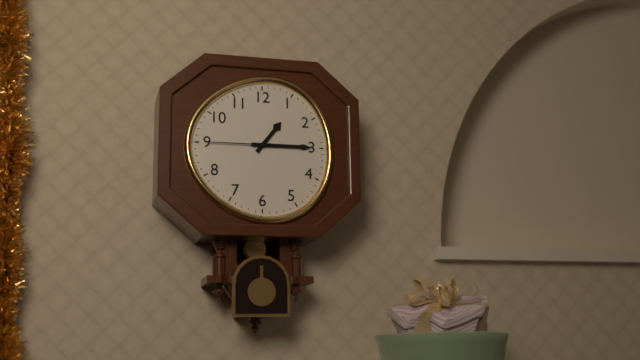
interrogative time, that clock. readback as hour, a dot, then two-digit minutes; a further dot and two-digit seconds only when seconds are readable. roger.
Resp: 1.15.45
